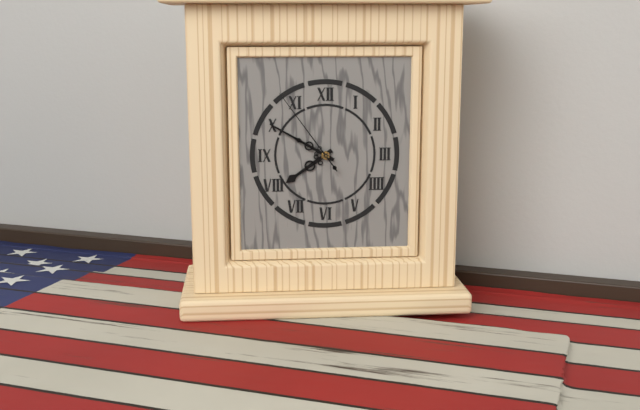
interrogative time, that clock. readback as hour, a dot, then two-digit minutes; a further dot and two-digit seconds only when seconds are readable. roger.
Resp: 7.50.54
